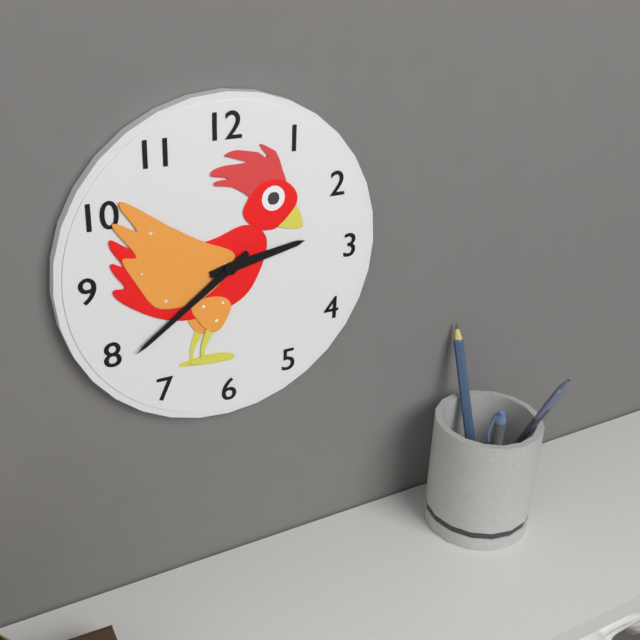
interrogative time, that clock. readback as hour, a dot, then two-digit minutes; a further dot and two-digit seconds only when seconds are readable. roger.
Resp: 2.39
